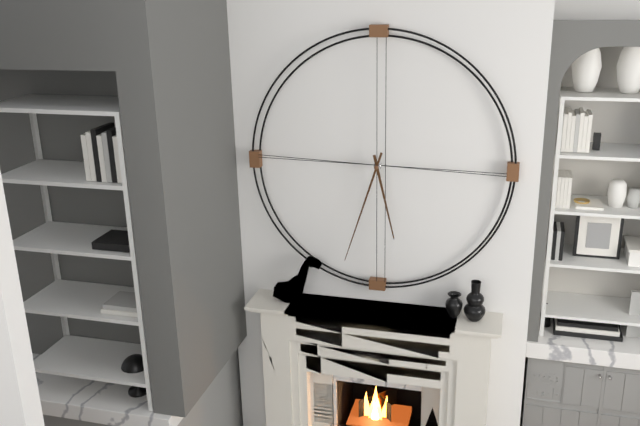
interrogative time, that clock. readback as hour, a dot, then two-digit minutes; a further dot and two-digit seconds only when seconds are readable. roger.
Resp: 5.33
